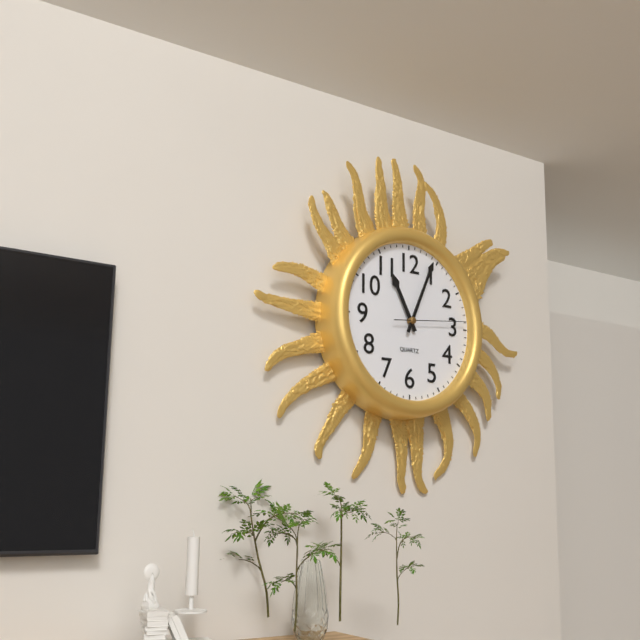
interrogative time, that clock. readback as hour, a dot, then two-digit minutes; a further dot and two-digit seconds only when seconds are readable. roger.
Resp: 11.04.14
